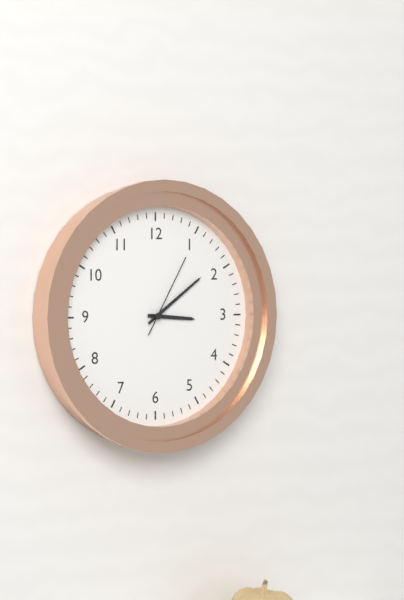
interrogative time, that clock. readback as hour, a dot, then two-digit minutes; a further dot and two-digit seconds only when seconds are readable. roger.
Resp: 3.09.05
